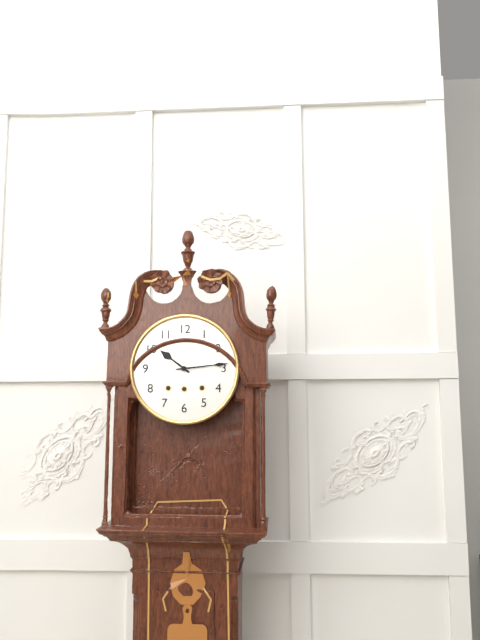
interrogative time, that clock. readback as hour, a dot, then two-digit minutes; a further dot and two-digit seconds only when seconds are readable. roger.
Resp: 10.14
